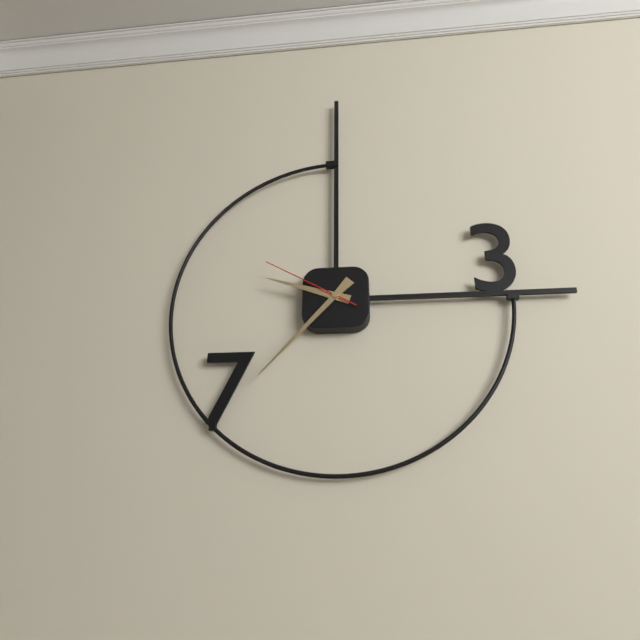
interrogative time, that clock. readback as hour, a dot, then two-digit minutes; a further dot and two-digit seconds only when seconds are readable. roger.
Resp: 9.37.50
